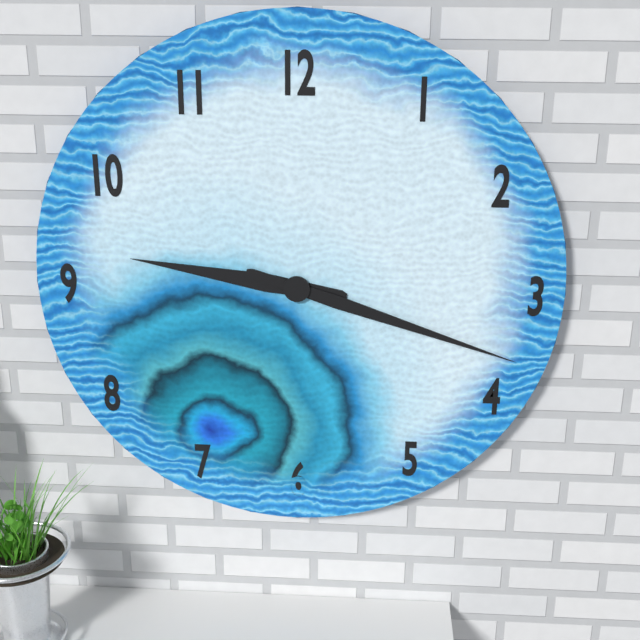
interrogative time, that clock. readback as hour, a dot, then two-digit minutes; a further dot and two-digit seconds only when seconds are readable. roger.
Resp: 9.18
